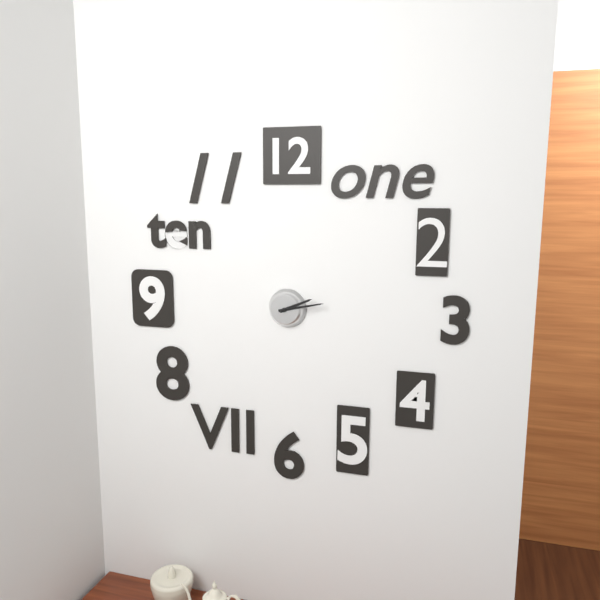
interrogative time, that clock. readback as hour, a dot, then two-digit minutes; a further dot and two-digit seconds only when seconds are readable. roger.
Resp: 2.13
